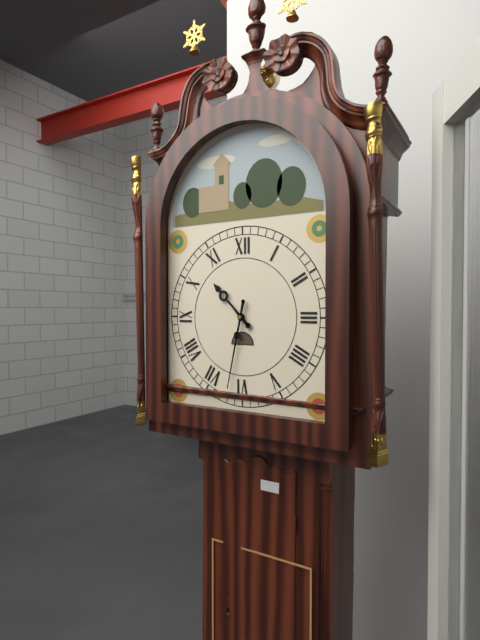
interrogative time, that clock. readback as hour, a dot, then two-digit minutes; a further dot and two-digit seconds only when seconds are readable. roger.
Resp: 10.32
